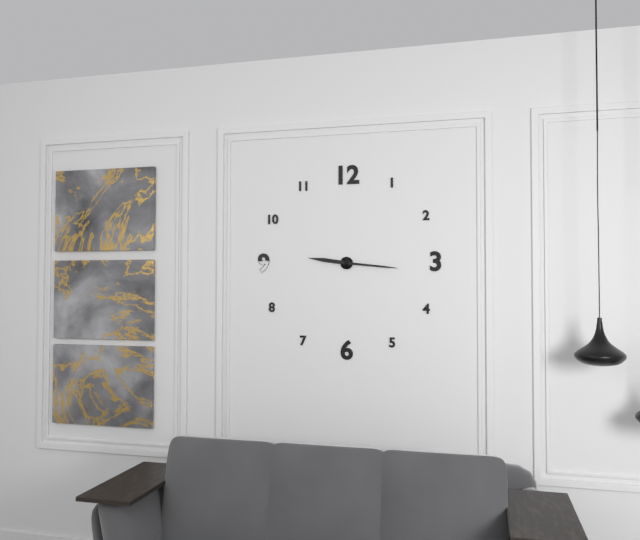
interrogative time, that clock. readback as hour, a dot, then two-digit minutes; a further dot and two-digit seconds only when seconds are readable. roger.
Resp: 9.16
